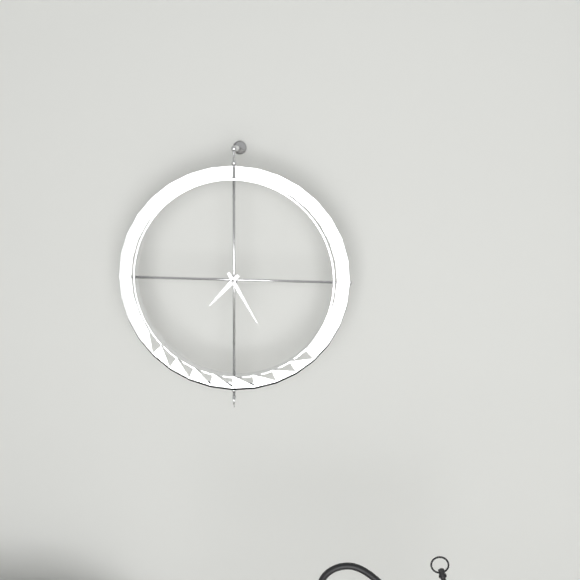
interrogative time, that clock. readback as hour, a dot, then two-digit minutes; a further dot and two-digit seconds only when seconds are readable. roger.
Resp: 7.25
